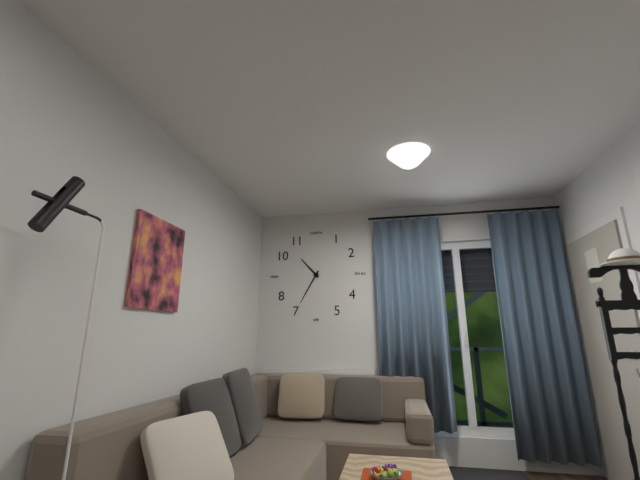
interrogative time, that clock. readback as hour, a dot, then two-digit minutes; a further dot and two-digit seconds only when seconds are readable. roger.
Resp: 10.35
